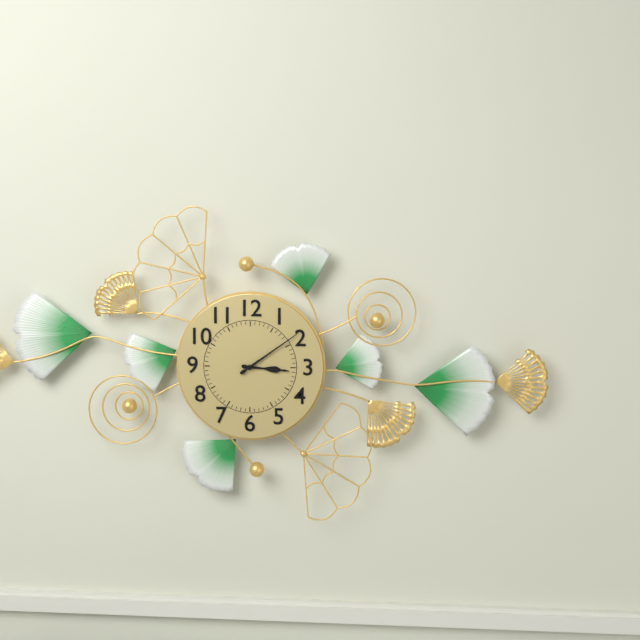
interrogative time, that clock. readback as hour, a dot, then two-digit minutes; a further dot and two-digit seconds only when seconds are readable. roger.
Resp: 3.09
